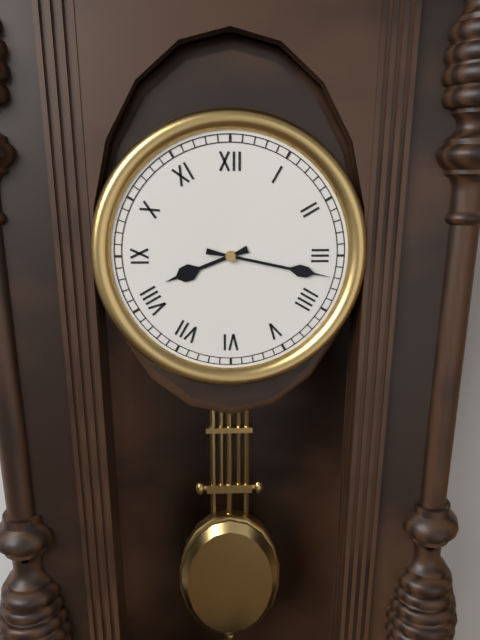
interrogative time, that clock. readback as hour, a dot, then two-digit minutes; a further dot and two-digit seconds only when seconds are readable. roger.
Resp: 8.17
